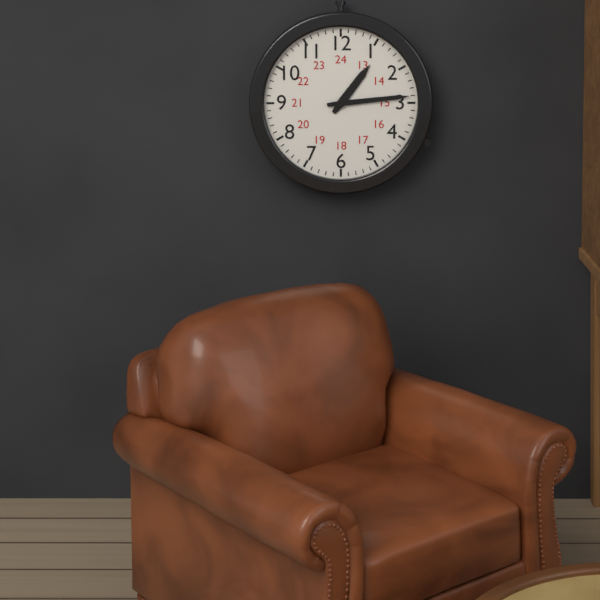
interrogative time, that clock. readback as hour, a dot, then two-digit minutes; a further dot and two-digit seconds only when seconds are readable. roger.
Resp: 1.14
